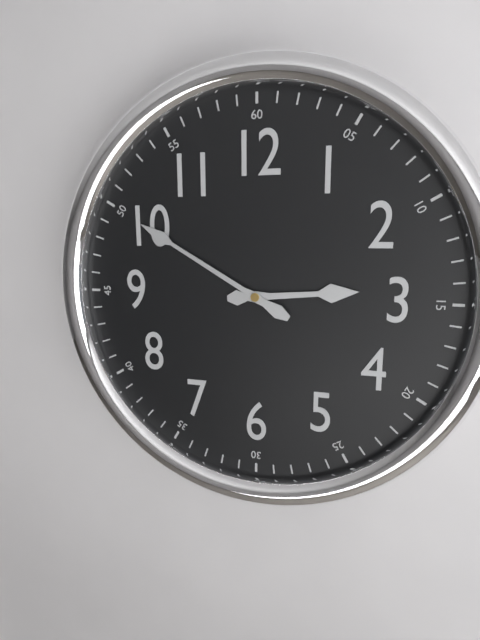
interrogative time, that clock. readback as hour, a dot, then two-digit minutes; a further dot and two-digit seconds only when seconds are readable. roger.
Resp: 2.50
